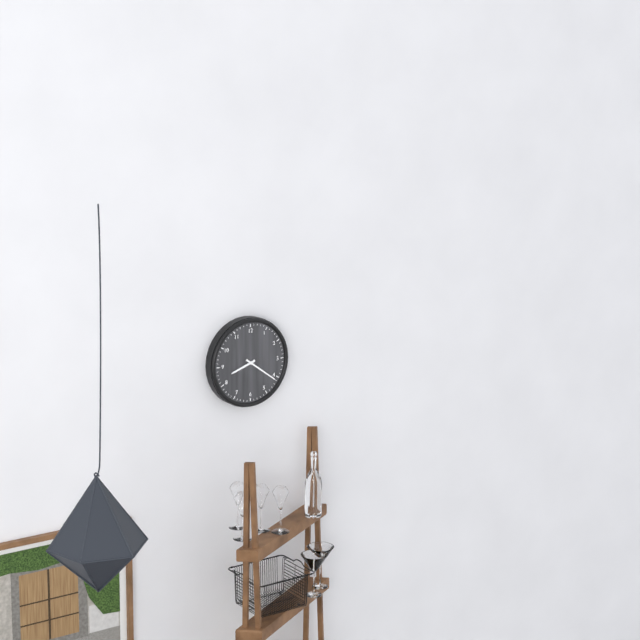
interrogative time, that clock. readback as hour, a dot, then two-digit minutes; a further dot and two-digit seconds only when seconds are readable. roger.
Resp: 8.21
